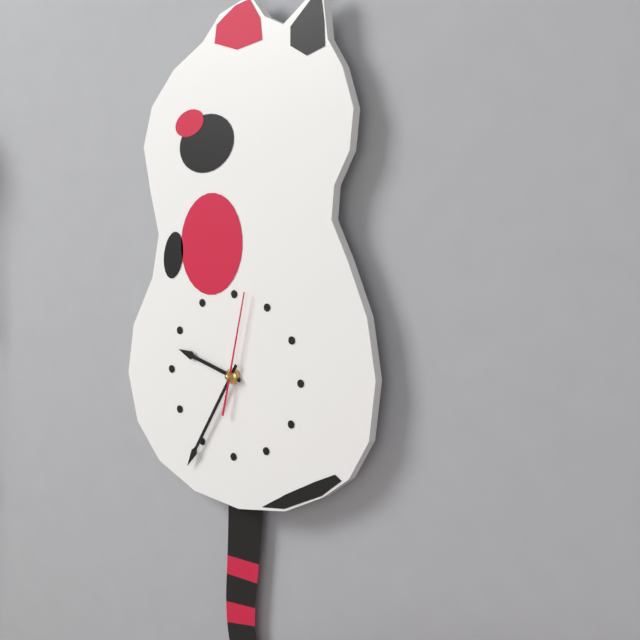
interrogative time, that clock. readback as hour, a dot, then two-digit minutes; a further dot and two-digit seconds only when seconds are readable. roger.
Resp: 9.35.02
